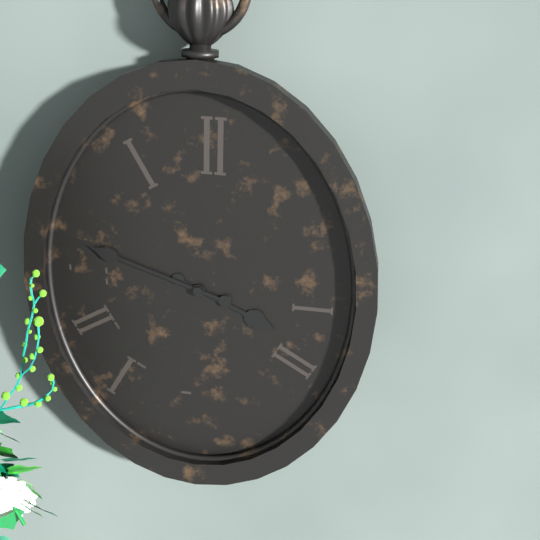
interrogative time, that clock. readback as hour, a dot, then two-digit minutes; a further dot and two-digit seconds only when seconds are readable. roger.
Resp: 3.48
